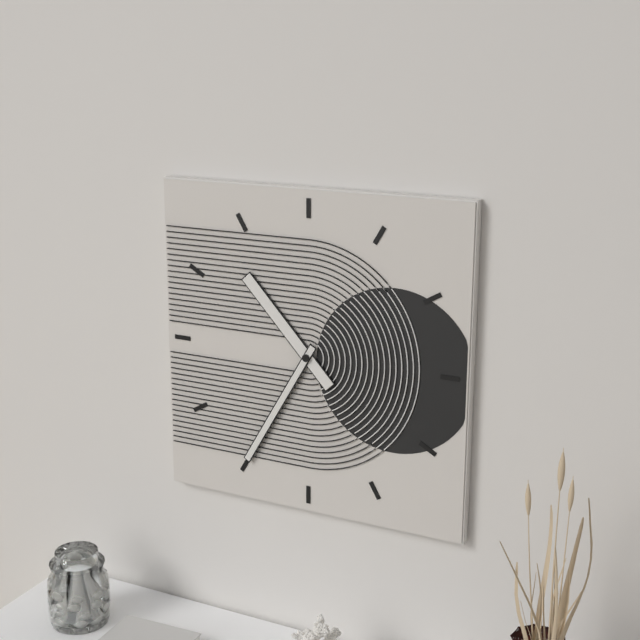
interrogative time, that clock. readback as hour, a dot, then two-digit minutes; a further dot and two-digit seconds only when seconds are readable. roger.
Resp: 10.35
